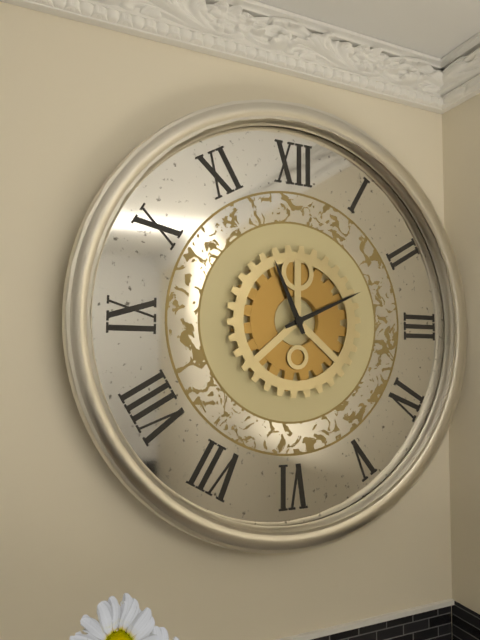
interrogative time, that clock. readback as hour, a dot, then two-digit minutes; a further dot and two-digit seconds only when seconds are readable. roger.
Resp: 11.11
